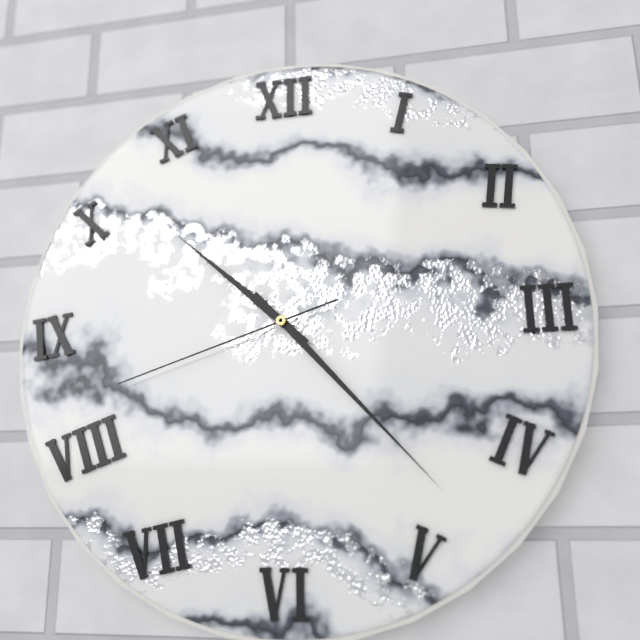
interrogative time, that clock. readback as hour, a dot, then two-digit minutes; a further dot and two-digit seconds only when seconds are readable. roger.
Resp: 10.23.42
